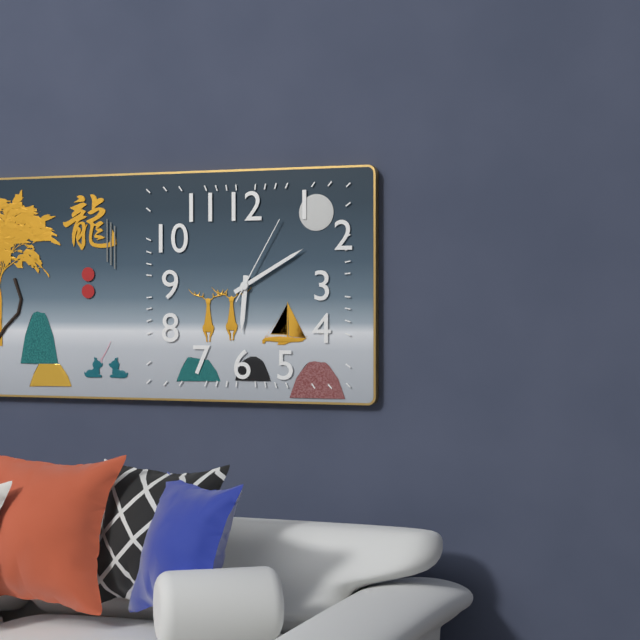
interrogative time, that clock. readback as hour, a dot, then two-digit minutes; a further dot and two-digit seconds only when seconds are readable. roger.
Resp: 6.10.05
